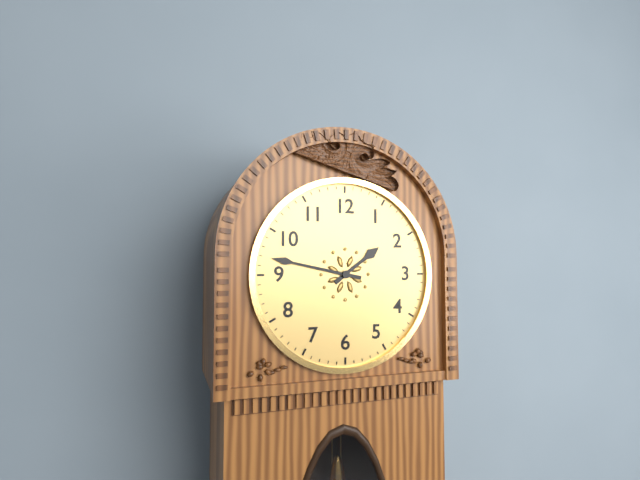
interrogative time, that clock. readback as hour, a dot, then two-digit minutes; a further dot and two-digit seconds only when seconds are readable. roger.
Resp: 1.47
